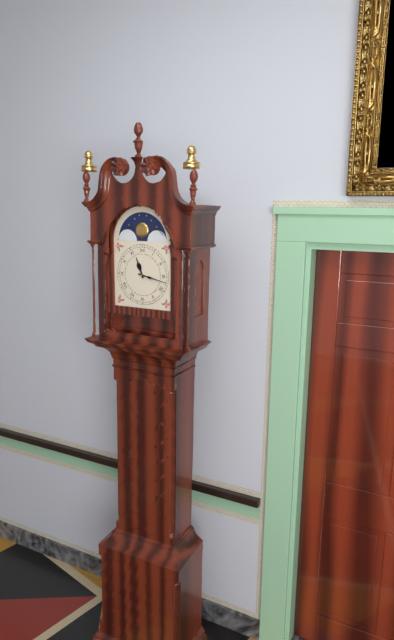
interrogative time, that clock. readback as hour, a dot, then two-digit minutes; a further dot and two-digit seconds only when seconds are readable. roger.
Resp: 11.17
